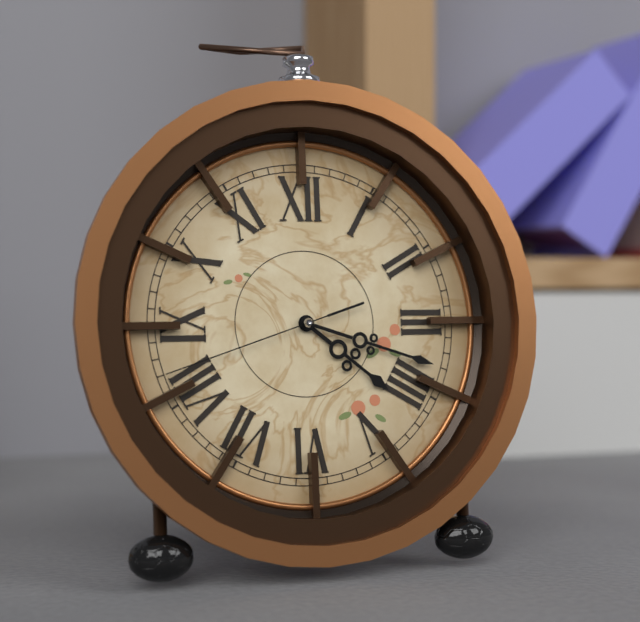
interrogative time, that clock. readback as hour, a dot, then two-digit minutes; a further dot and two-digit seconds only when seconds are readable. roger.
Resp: 4.18.42
